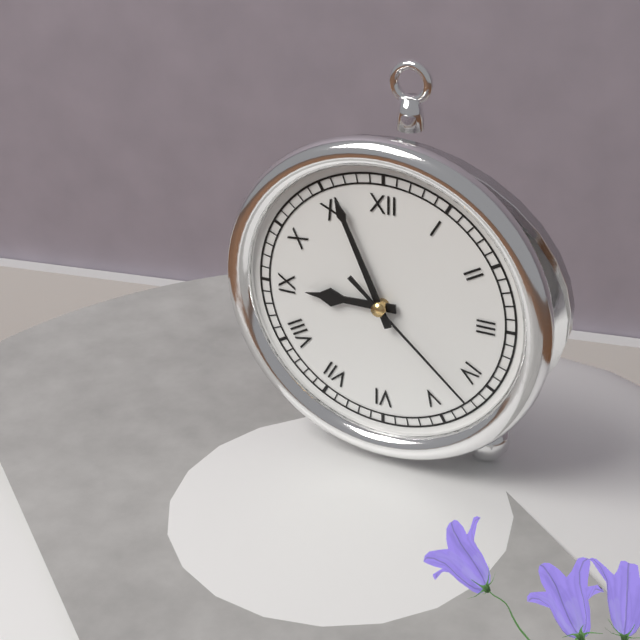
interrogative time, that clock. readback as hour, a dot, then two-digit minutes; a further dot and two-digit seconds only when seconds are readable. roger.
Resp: 8.56.22
